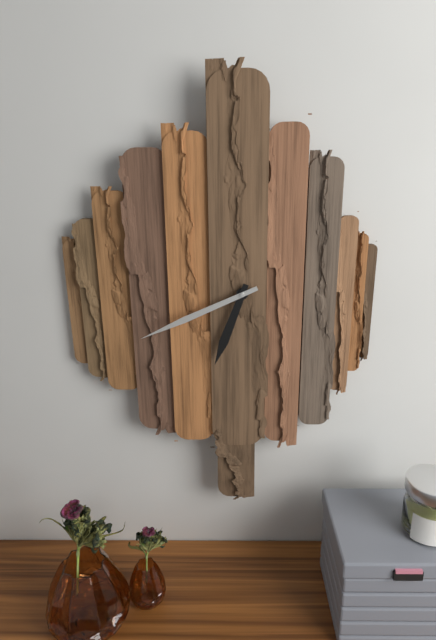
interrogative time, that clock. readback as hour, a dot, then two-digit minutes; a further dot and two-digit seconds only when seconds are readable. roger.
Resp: 6.41
